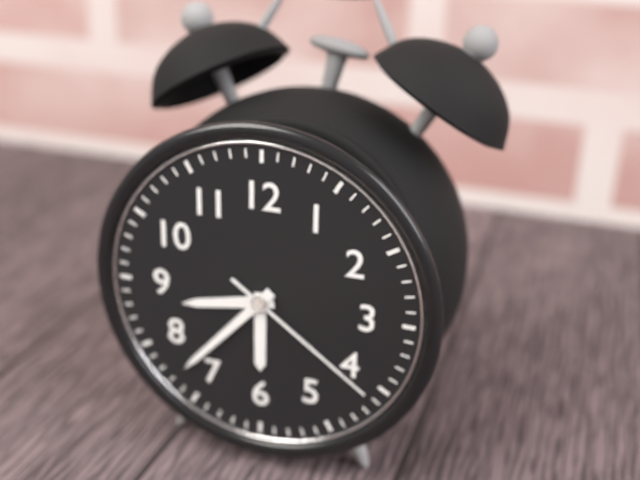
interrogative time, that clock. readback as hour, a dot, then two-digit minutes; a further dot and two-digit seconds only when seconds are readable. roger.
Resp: 8.37.21
